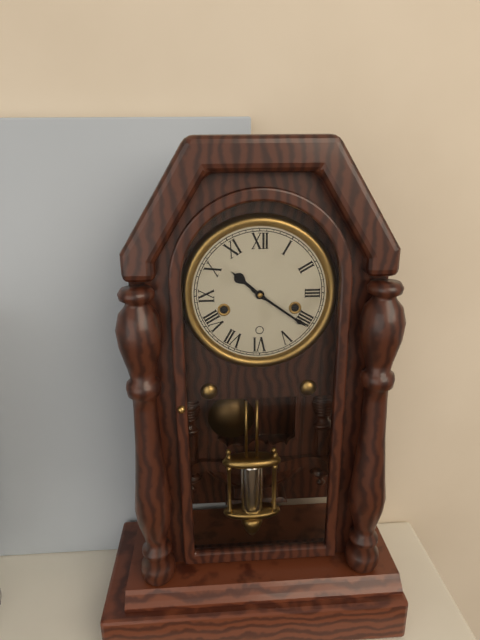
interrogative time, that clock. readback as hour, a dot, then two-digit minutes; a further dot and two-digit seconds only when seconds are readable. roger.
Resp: 10.21
